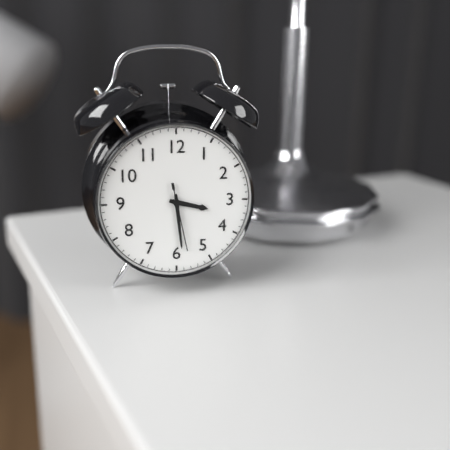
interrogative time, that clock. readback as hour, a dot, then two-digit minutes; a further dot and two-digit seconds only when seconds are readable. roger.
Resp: 3.29.28
